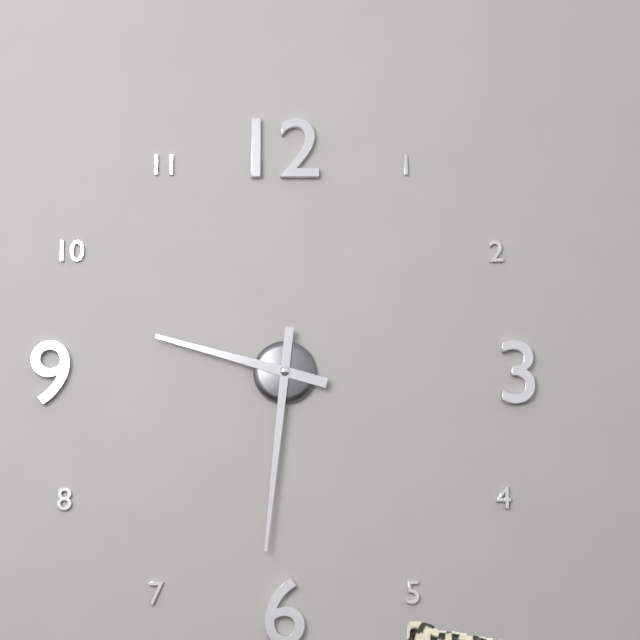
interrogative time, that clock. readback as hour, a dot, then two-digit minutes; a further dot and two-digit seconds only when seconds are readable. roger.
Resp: 9.31
